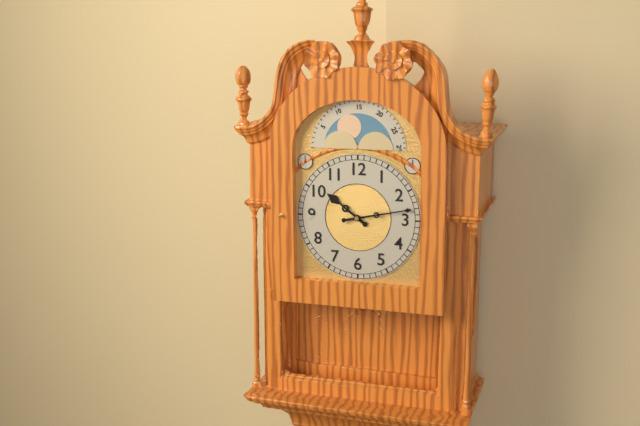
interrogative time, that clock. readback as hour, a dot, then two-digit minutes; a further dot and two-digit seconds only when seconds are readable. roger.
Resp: 10.13
